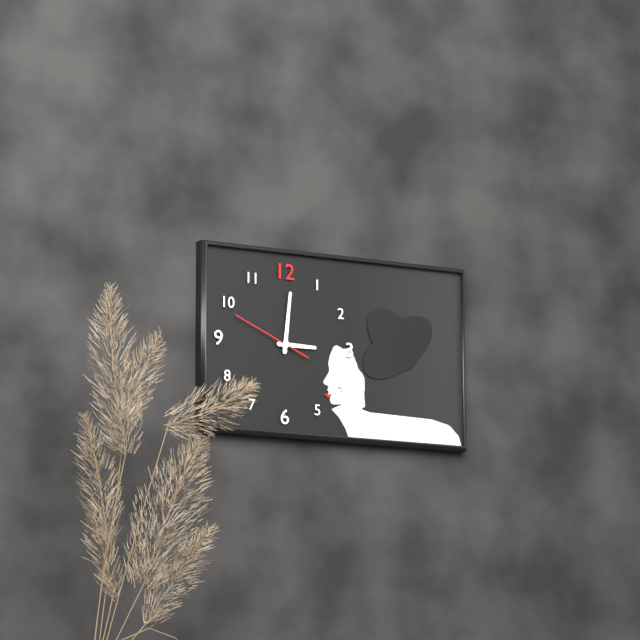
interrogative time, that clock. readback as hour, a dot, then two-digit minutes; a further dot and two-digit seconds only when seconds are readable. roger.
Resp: 3.01.49
